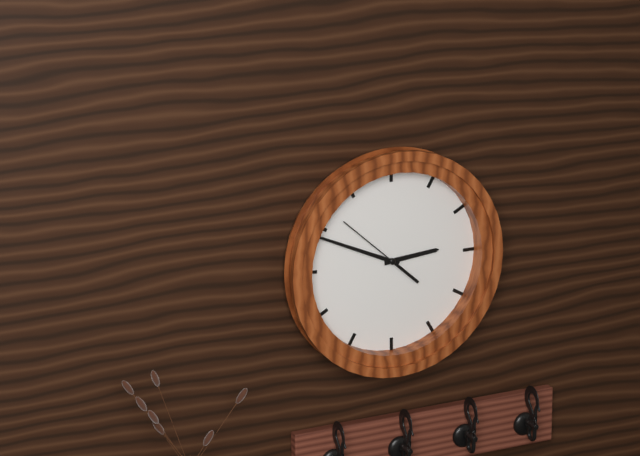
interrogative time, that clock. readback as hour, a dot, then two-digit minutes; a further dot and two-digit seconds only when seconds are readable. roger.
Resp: 2.49.52
